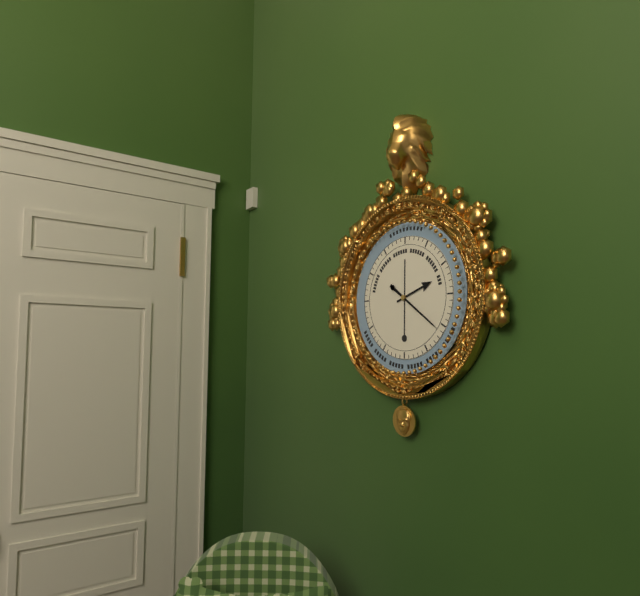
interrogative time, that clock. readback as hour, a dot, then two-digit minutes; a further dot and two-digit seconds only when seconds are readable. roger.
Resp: 2.21
